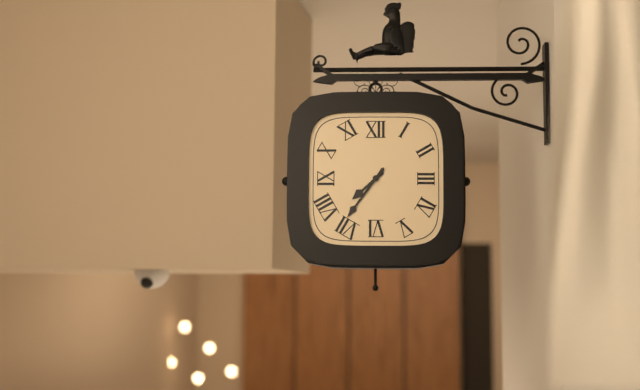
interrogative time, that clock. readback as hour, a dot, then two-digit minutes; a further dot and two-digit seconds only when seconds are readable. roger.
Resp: 7.36
